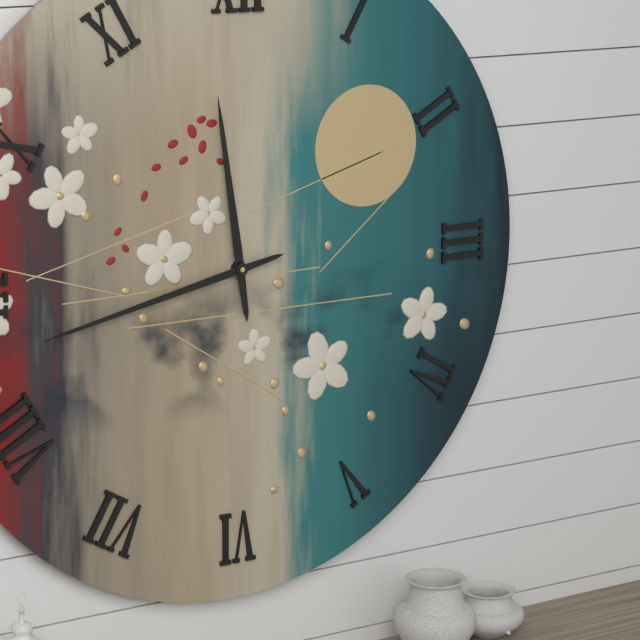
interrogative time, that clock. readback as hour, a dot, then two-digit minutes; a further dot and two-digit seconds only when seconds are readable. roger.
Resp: 11.43
